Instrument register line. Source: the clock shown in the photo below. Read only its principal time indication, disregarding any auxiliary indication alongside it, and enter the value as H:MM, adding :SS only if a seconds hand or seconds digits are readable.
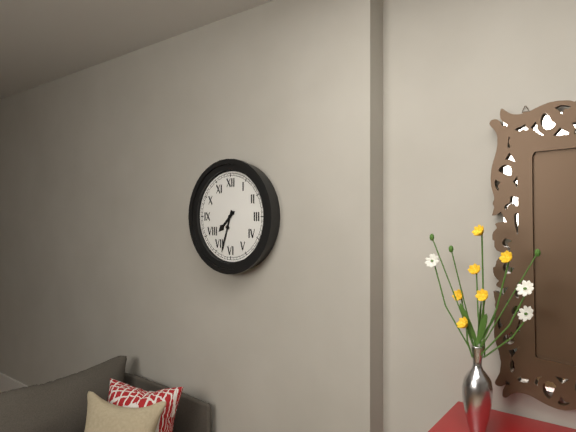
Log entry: 7:33
